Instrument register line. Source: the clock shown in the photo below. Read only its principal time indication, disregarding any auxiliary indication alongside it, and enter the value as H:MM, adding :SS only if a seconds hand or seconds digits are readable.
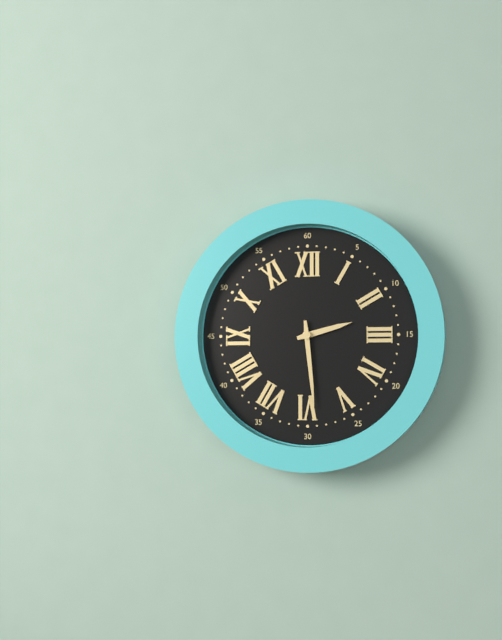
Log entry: 2:29
